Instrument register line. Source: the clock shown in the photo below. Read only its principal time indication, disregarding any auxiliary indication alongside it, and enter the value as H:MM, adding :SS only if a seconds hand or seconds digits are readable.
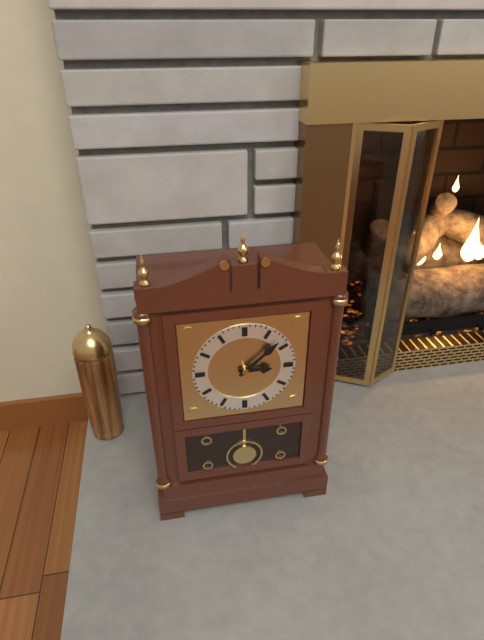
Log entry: 3:08
